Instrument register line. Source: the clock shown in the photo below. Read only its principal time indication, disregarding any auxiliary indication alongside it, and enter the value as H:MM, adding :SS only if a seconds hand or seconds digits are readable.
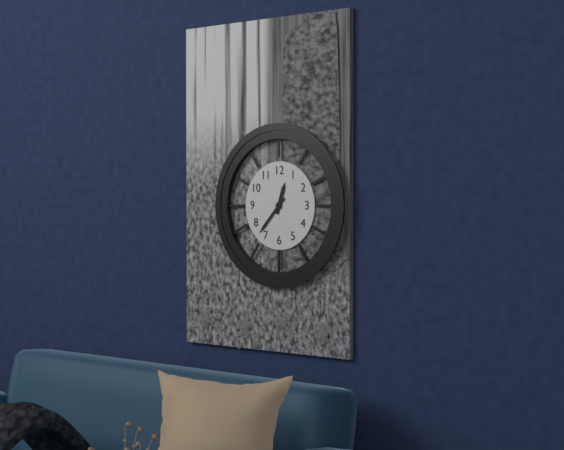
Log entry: 12:37
